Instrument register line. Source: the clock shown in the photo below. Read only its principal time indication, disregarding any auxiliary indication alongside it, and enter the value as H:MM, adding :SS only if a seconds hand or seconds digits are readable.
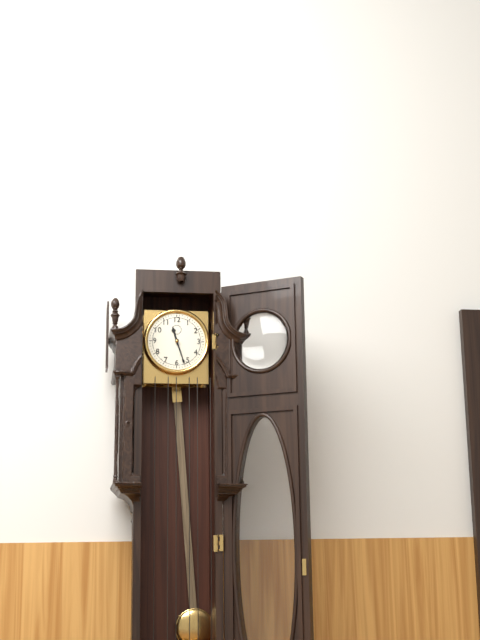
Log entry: 11:27
